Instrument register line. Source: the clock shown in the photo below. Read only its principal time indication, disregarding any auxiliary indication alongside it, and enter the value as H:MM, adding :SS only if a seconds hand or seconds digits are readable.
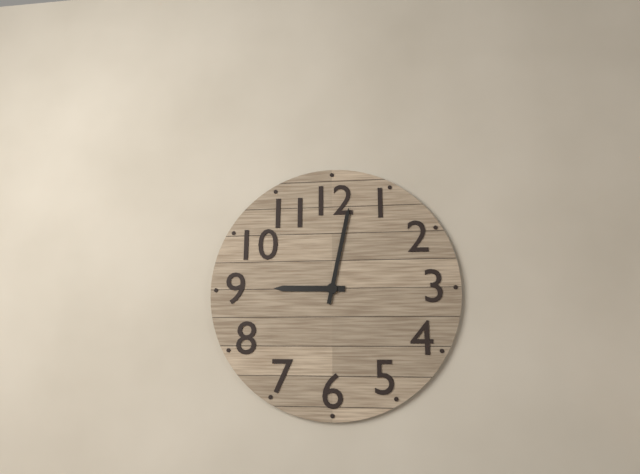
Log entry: 9:02
